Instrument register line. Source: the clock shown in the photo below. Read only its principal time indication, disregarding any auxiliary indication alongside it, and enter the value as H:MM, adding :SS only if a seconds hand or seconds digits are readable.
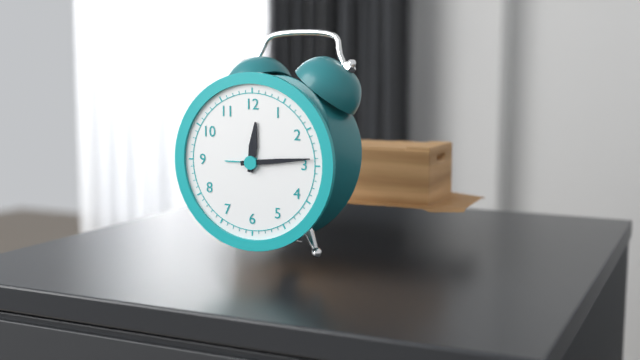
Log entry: 12:14
